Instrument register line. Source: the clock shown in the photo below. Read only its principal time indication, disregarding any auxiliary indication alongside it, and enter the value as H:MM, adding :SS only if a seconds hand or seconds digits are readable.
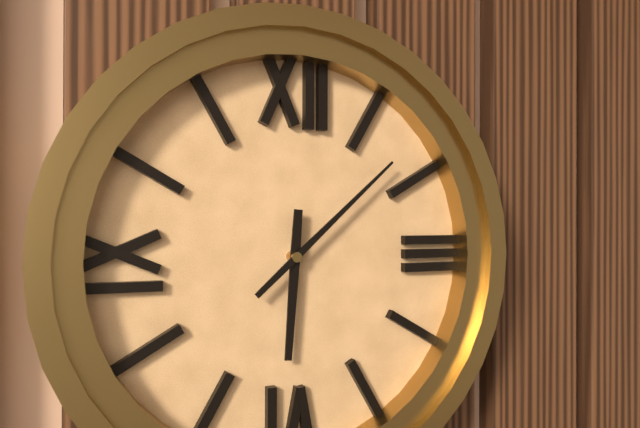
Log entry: 6:08
